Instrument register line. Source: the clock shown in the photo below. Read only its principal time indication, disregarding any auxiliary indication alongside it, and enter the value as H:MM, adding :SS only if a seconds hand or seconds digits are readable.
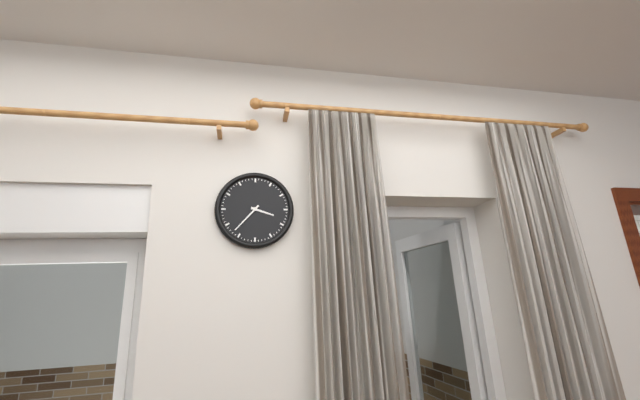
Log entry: 3:37
